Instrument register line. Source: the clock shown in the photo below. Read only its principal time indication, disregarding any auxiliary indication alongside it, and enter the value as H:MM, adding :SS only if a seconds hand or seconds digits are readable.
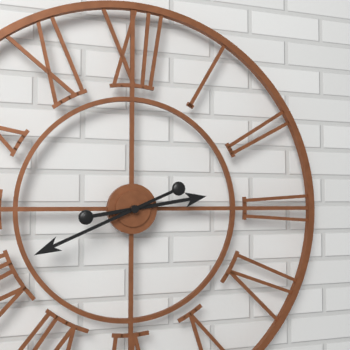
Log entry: 2:41
